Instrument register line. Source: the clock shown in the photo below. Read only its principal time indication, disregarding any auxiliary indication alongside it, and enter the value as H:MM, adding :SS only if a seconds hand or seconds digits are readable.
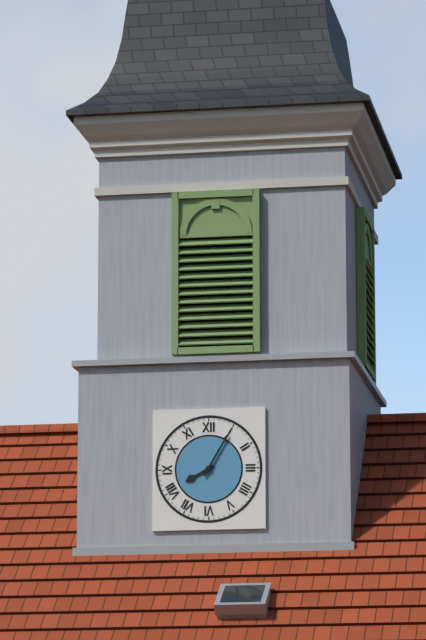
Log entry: 8:05
